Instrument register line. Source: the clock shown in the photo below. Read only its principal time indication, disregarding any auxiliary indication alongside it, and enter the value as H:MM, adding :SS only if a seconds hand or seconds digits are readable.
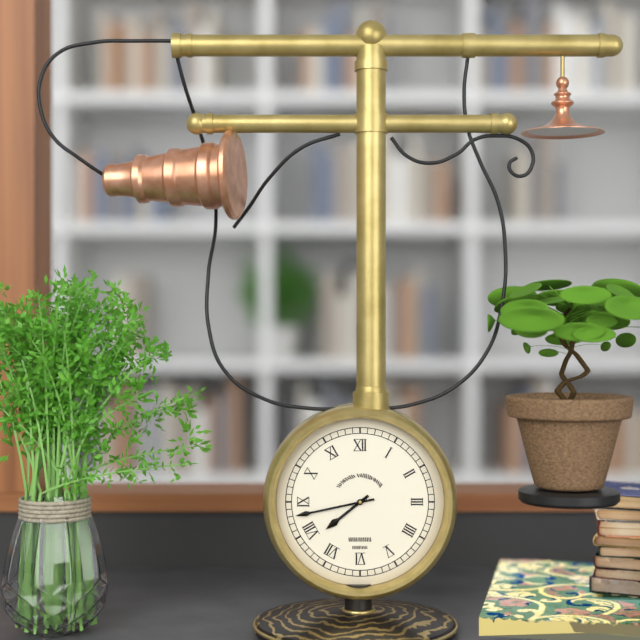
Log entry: 7:43
